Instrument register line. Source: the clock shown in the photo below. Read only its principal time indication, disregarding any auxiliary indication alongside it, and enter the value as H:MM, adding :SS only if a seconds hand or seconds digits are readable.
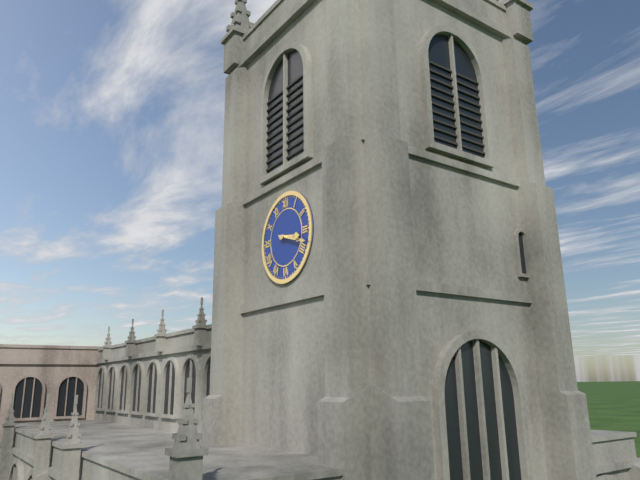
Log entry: 3:18
